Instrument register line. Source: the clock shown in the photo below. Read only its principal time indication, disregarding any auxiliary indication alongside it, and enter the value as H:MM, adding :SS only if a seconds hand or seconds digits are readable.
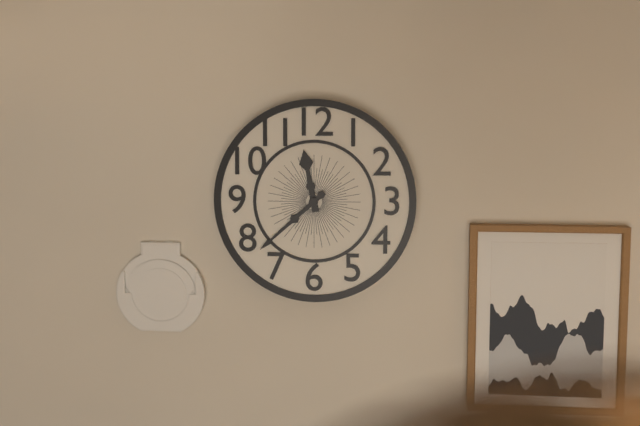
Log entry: 11:38
